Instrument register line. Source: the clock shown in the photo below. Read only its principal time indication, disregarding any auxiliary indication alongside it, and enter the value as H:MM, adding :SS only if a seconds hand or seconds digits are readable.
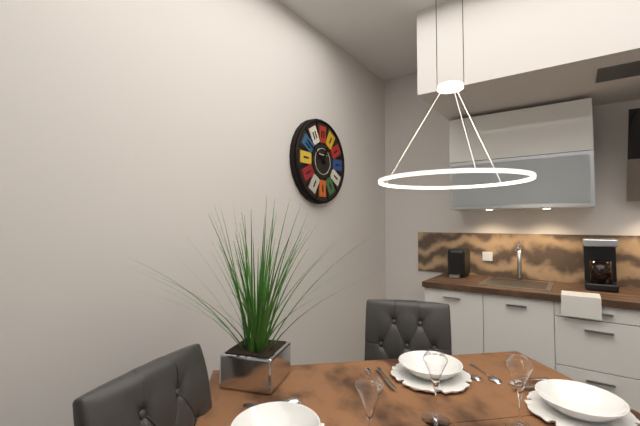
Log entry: 12:50
